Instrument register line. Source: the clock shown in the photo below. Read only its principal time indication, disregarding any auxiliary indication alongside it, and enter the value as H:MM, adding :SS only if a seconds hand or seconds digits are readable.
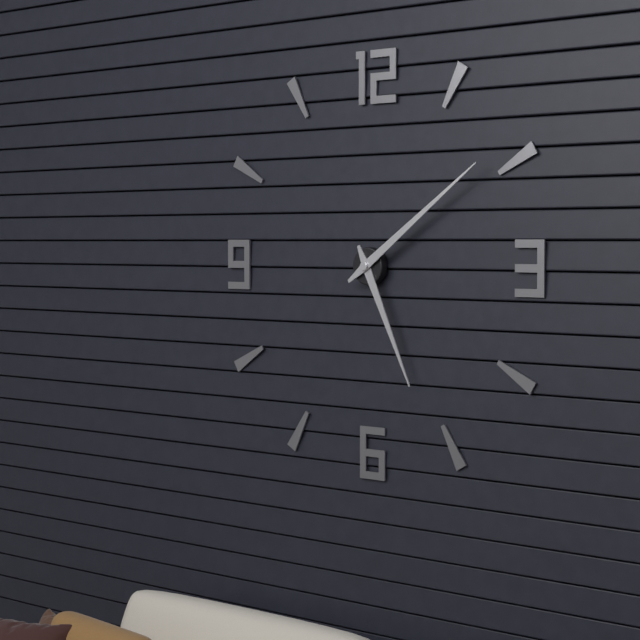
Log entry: 5:09
